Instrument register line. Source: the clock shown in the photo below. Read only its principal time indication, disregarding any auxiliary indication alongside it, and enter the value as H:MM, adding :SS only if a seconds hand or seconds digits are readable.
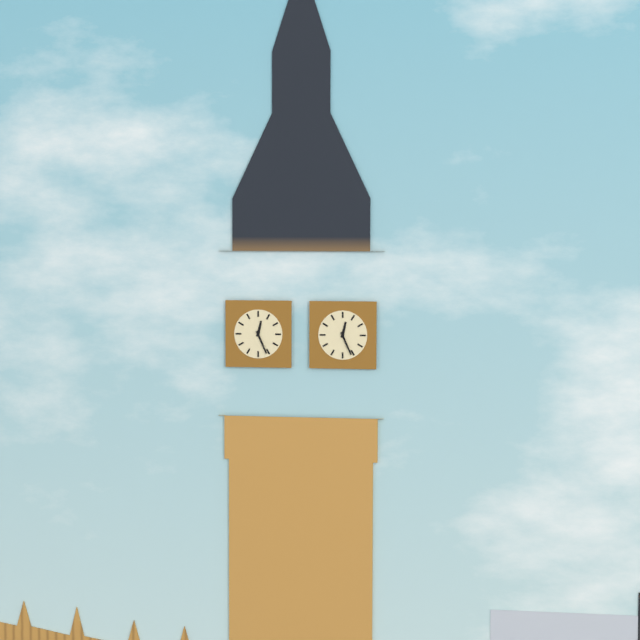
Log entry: 12:26
